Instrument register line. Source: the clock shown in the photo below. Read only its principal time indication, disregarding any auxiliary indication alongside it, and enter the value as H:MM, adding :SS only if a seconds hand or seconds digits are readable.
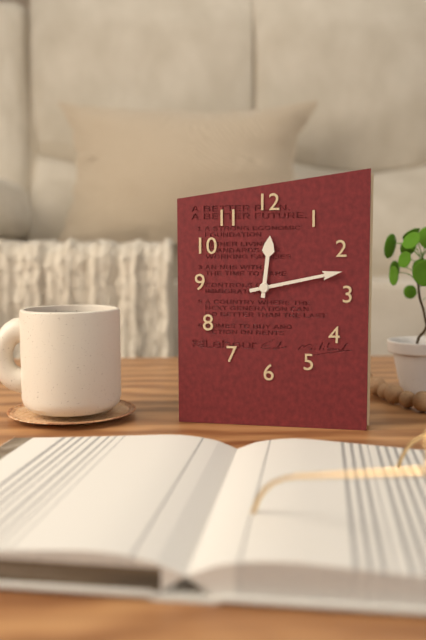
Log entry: 12:13
